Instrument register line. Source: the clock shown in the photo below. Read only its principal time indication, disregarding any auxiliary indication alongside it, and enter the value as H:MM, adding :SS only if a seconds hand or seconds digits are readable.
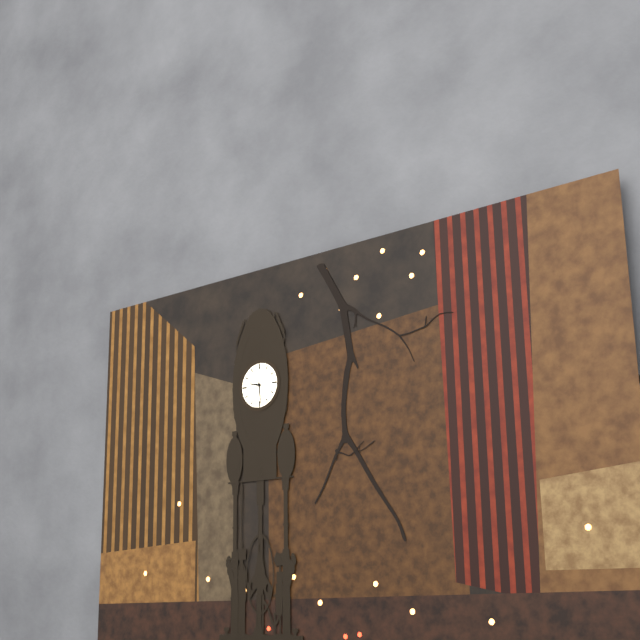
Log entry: 9:29
